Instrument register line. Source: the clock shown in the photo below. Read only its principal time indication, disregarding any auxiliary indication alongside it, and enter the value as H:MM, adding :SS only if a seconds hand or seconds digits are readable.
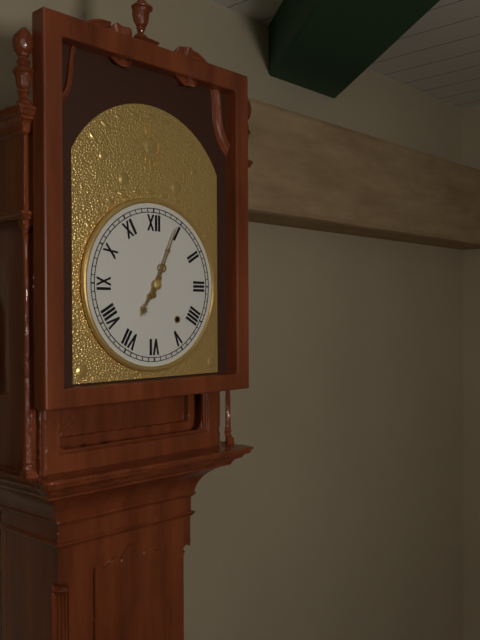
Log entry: 7:04
